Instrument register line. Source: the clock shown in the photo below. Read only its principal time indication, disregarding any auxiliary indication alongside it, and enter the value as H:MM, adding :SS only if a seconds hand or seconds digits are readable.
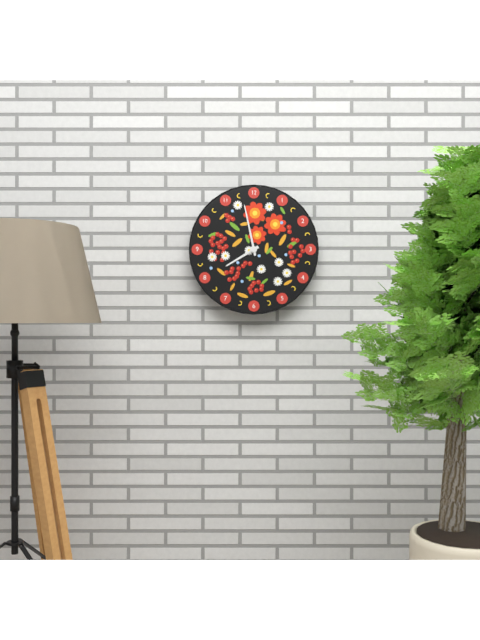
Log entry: 7:58
